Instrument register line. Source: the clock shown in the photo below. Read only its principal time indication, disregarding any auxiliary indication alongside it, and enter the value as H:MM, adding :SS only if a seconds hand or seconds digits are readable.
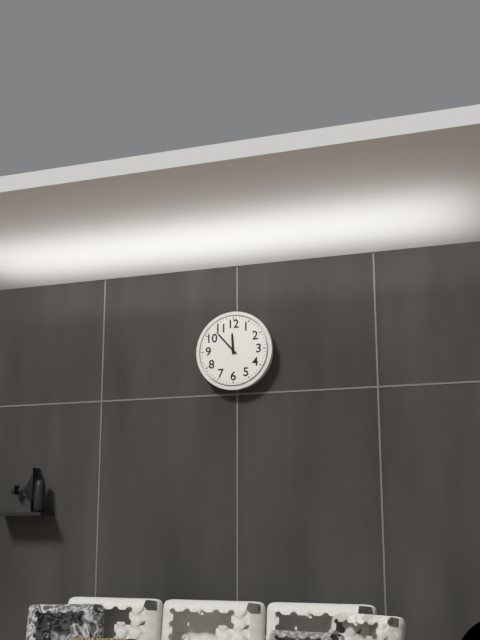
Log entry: 11:53
